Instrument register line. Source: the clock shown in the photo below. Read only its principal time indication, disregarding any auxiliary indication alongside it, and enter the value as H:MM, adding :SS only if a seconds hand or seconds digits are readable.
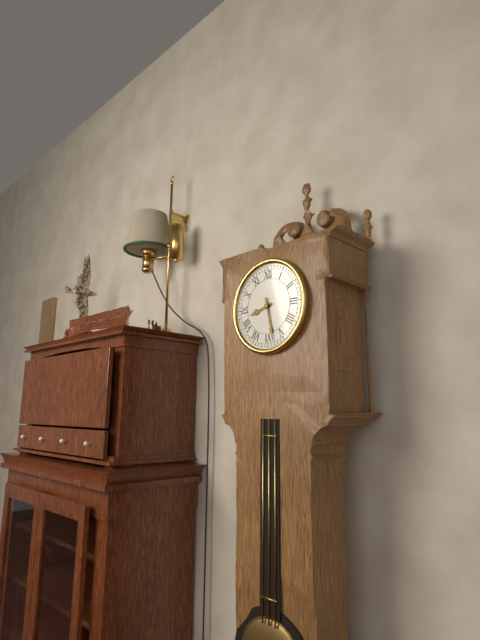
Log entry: 8:28
